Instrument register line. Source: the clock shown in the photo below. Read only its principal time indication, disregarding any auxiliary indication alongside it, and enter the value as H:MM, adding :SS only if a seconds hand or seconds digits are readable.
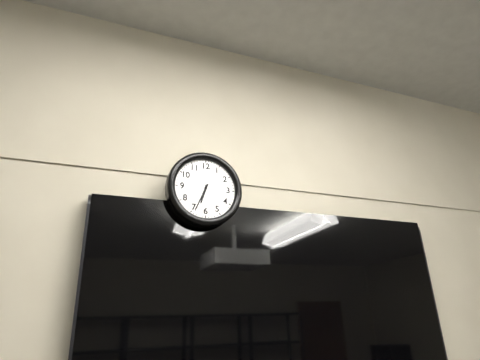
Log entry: 6:34
